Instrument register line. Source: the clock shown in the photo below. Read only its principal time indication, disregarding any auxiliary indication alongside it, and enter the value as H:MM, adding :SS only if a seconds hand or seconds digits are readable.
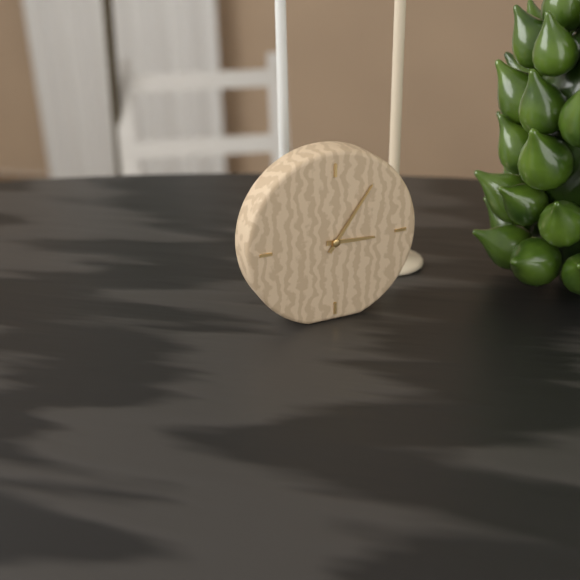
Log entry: 3:06
